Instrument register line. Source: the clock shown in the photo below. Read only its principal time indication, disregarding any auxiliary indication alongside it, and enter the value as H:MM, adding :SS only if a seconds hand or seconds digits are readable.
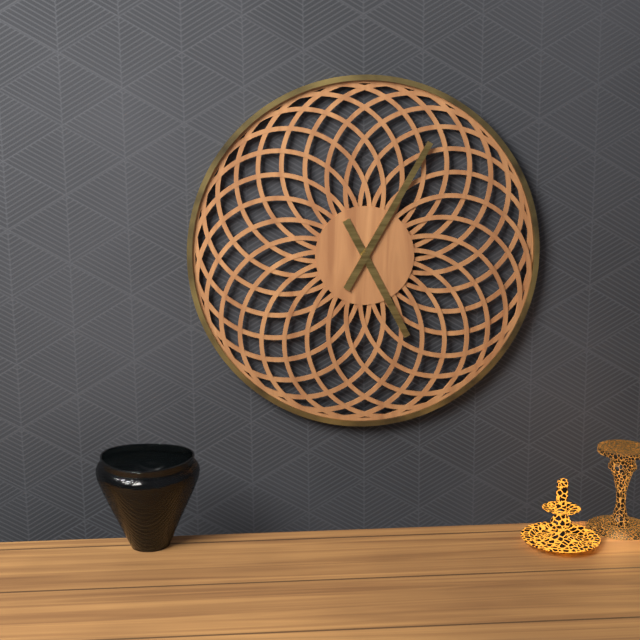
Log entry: 5:05
